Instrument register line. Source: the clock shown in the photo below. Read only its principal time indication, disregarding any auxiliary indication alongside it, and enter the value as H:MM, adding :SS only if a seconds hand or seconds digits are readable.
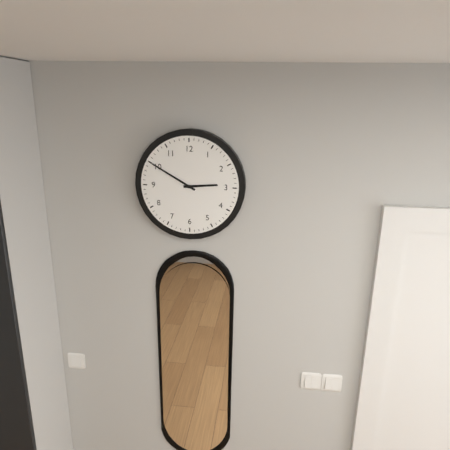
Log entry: 2:50
